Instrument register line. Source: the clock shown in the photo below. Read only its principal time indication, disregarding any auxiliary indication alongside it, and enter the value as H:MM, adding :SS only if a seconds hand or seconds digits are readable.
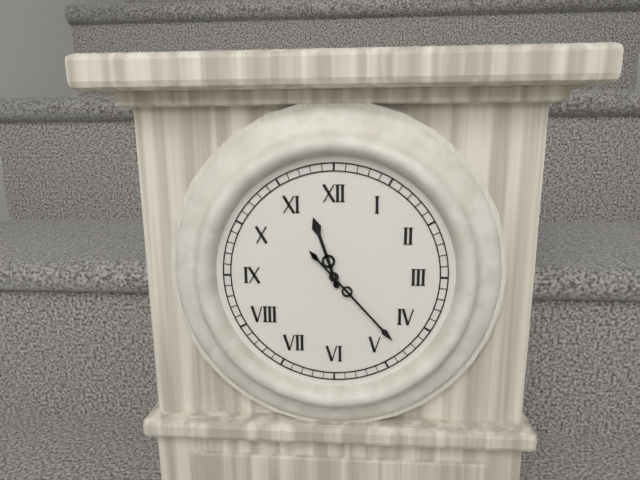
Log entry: 11:23
